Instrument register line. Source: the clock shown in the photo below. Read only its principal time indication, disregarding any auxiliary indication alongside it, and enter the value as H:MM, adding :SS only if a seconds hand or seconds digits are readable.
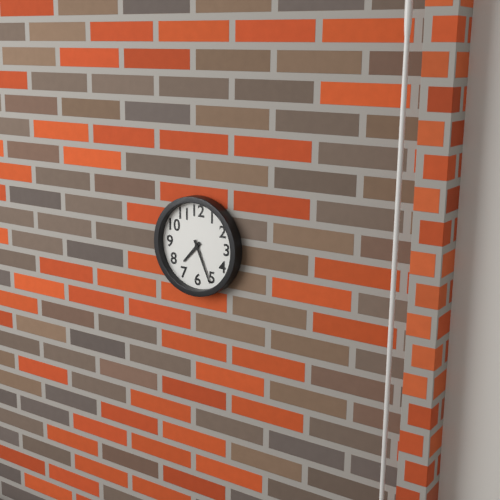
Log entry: 7:26
